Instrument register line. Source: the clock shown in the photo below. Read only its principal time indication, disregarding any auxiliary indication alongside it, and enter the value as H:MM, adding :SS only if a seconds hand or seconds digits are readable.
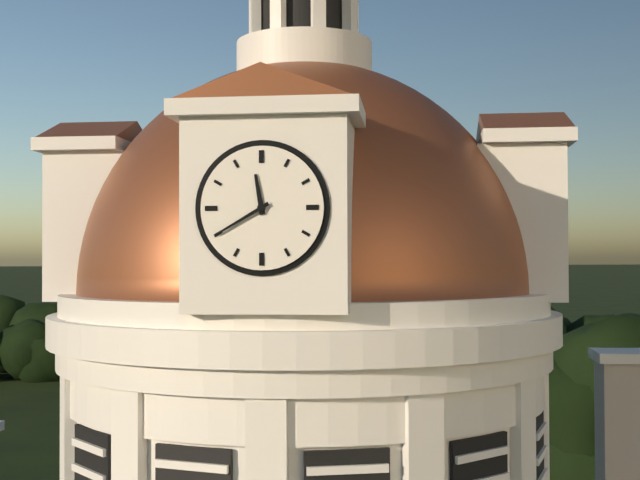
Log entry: 11:40
